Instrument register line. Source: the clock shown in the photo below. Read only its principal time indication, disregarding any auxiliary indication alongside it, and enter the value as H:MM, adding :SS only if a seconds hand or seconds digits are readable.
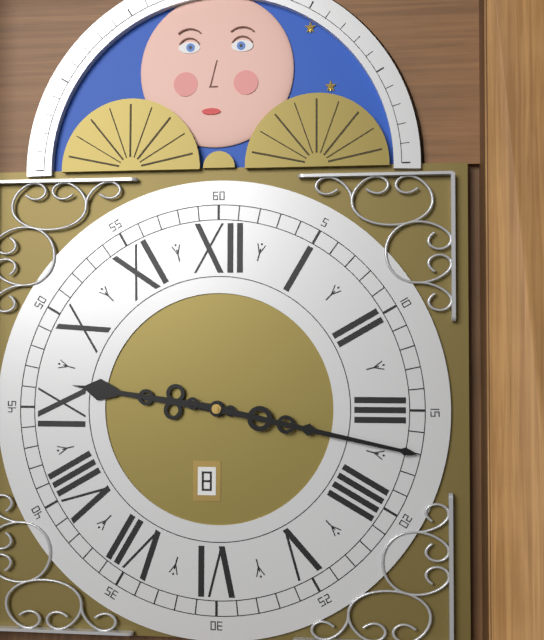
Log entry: 9:17
